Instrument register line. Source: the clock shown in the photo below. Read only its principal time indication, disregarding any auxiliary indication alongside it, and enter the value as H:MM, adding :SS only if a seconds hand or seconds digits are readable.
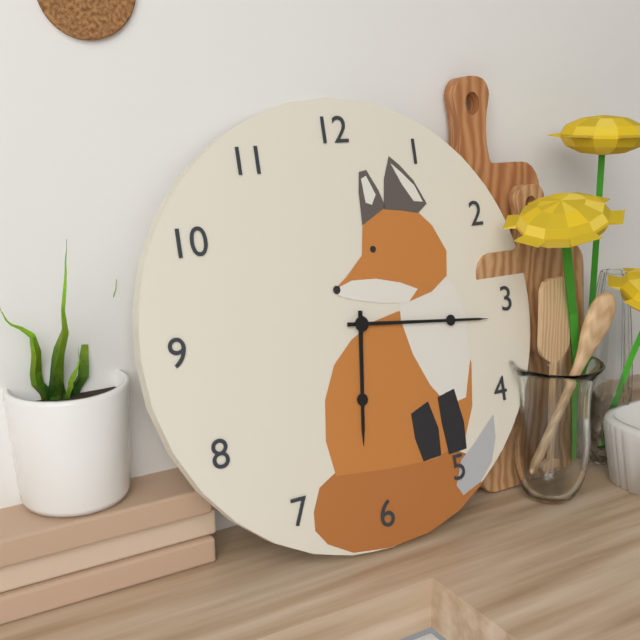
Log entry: 6:16
